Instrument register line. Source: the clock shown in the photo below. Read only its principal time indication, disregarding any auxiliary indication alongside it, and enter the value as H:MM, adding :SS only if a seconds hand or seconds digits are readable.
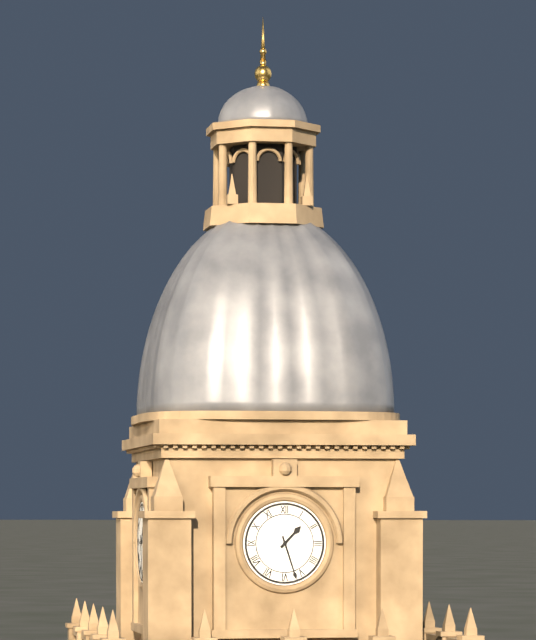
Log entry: 1:27
